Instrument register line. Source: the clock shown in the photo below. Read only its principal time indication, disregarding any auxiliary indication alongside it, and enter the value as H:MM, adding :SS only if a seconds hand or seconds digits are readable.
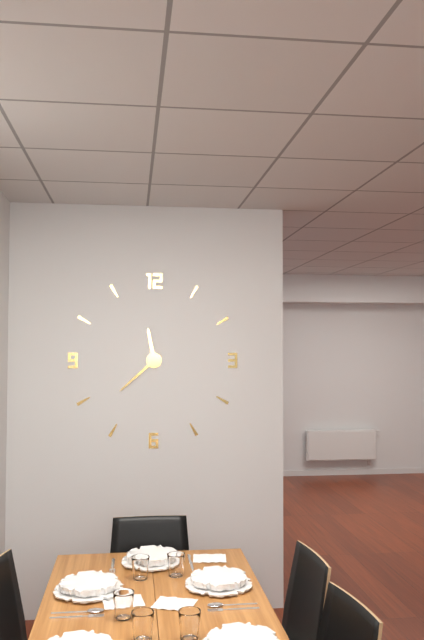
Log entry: 11:38
